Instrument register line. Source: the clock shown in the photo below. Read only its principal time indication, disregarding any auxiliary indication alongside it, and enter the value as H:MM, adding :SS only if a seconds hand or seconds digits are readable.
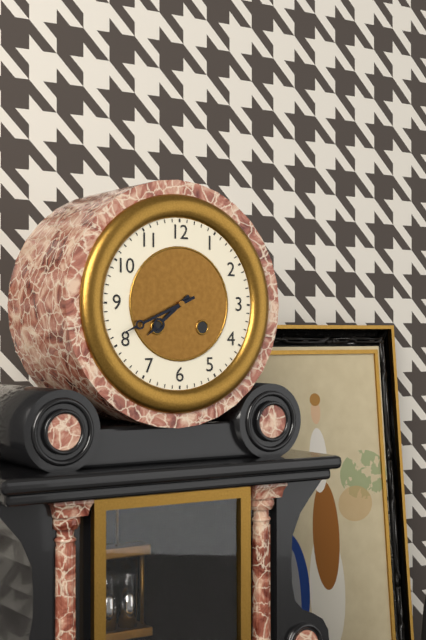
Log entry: 7:41
